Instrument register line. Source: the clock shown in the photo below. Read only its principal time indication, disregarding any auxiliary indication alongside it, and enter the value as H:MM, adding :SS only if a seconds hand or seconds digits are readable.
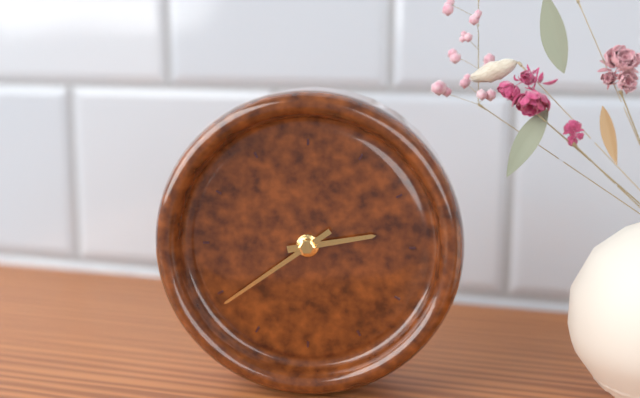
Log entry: 2:39
